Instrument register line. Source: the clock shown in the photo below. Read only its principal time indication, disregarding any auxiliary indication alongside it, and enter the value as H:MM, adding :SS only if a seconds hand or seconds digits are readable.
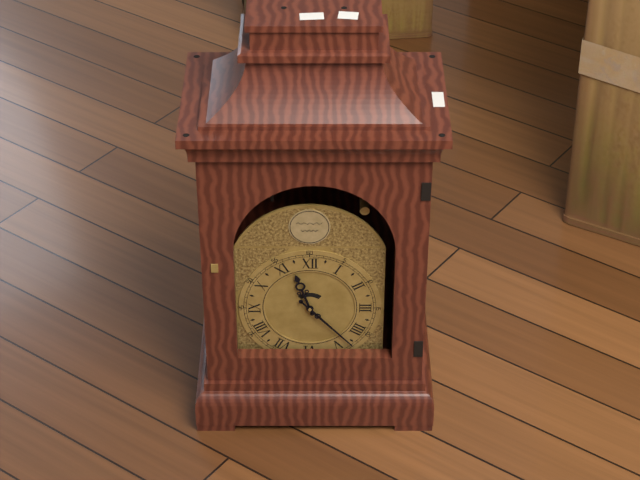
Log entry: 11:23
